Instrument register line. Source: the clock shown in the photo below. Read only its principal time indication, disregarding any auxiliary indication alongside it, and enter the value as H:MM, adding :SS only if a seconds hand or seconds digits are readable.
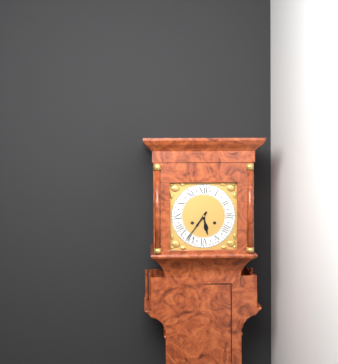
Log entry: 5:36
